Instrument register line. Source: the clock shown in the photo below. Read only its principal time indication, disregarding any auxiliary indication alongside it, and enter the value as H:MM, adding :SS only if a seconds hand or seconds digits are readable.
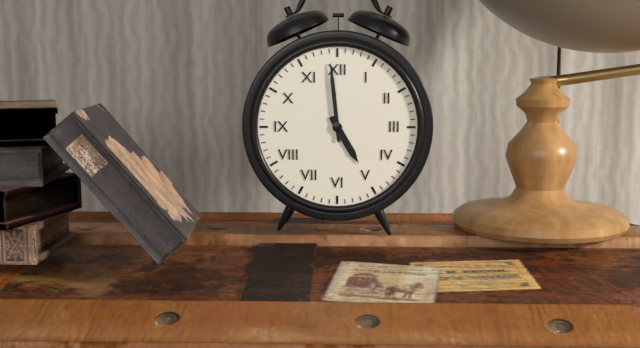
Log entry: 4:59
